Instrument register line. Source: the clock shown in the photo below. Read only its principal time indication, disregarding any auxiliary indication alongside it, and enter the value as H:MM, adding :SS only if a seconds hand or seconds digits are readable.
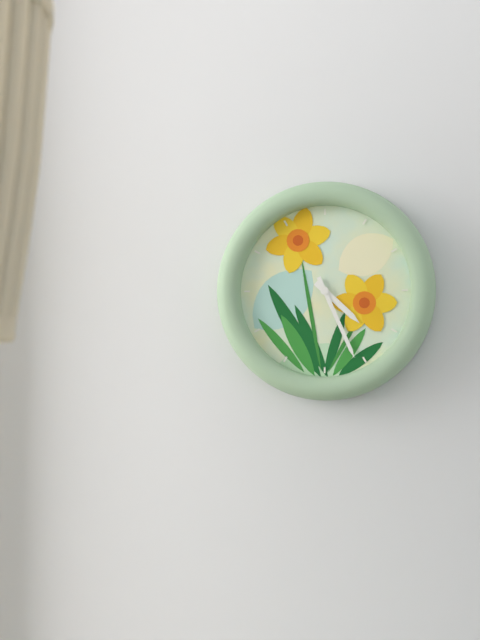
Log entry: 4:26
